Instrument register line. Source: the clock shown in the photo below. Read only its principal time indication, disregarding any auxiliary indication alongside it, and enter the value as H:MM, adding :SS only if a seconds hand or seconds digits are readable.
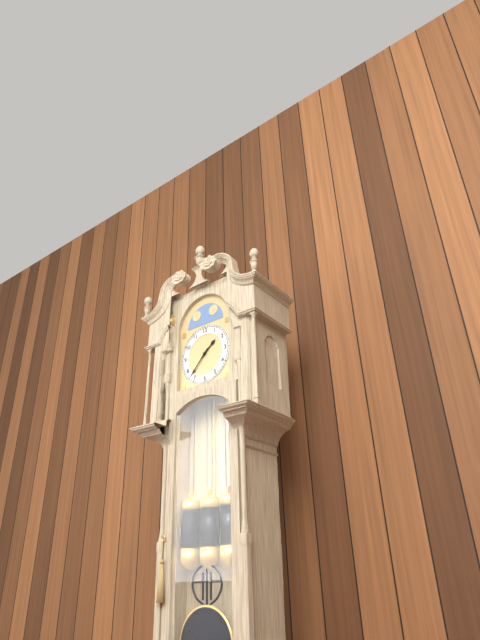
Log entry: 1:37
